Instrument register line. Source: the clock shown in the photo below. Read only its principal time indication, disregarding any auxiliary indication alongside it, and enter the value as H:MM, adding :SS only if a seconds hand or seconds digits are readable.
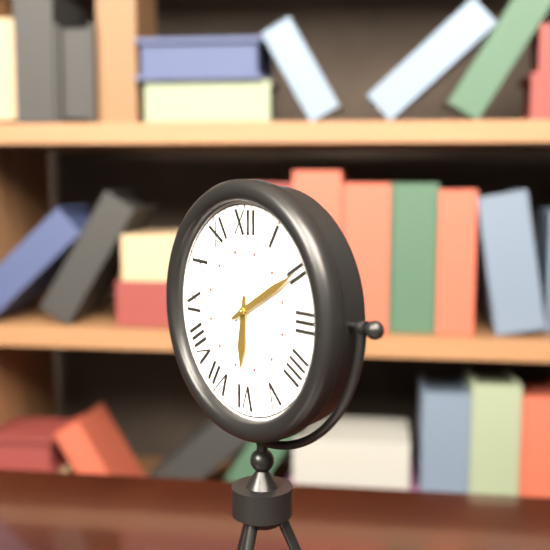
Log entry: 6:10
